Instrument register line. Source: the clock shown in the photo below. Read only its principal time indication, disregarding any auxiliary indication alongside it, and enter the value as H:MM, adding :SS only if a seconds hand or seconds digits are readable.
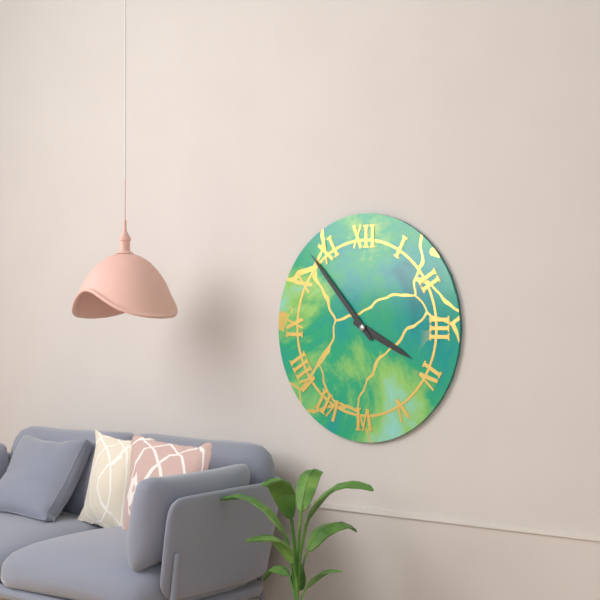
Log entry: 3:53
